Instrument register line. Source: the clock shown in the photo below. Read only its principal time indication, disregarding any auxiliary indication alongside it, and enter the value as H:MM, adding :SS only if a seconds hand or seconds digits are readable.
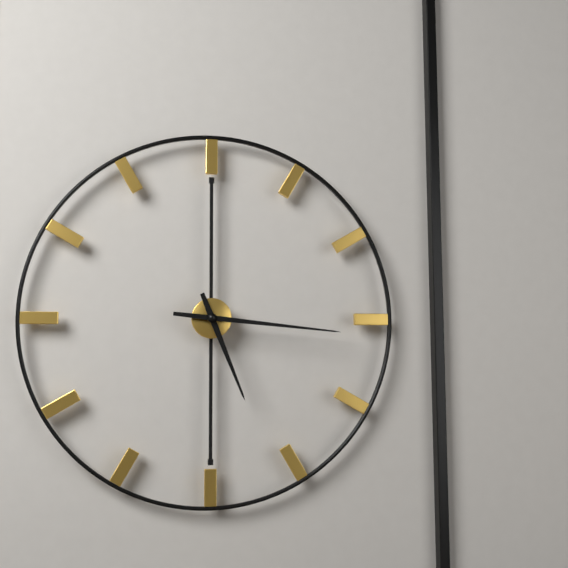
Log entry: 5:16
